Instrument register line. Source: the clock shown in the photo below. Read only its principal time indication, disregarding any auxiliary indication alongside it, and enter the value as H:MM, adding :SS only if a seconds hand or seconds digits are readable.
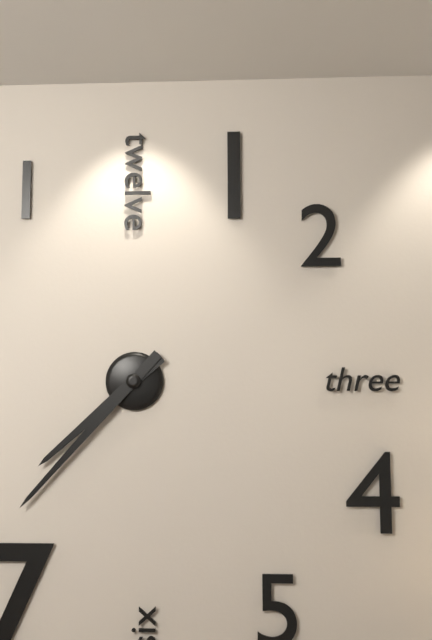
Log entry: 7:37
